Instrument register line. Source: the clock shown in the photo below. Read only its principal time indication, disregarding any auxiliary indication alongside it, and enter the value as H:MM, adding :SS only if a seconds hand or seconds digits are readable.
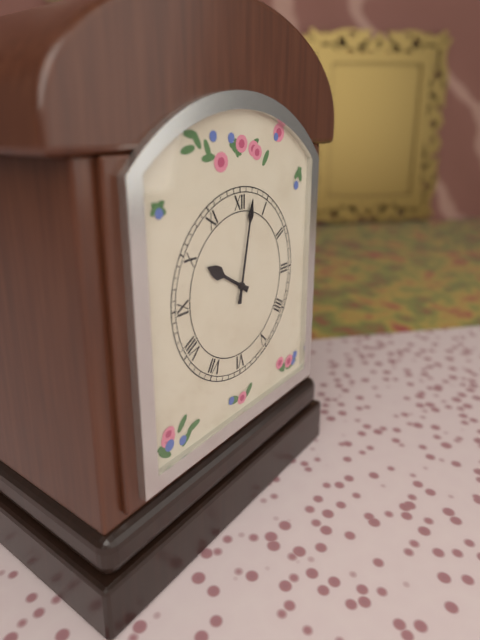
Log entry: 10:02
